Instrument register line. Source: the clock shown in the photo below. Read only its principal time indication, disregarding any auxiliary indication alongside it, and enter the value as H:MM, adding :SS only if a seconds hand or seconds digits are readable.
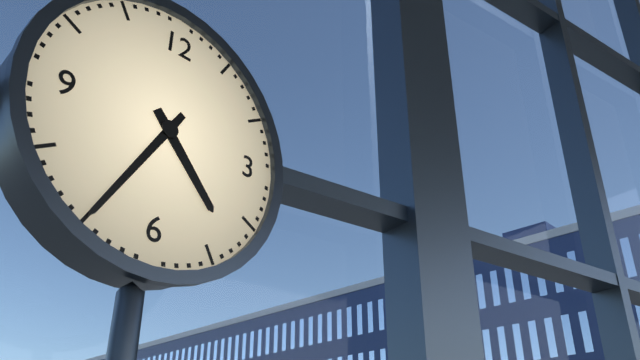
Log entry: 4:35
